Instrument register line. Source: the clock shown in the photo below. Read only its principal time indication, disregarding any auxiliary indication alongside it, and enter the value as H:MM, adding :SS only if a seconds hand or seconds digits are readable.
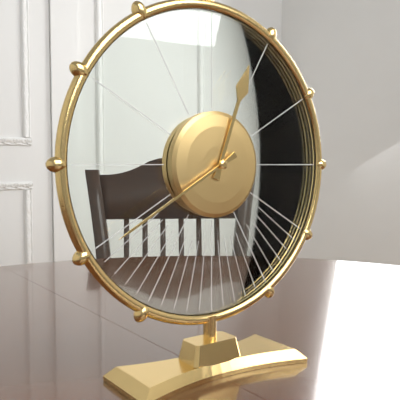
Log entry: 12:40
